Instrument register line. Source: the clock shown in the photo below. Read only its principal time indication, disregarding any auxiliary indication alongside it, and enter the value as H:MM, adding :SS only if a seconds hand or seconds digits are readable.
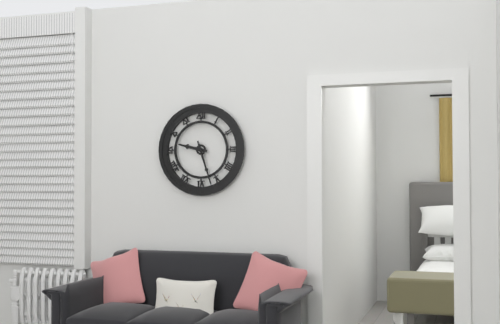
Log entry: 9:27
